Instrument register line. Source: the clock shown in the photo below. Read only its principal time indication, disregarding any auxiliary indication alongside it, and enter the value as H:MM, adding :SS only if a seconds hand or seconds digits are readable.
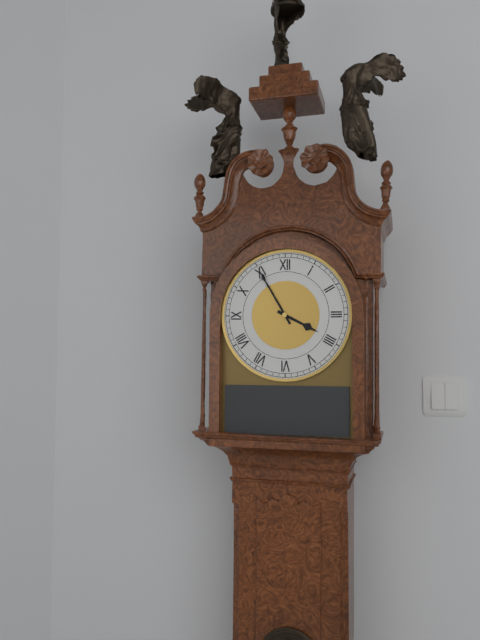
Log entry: 3:55
